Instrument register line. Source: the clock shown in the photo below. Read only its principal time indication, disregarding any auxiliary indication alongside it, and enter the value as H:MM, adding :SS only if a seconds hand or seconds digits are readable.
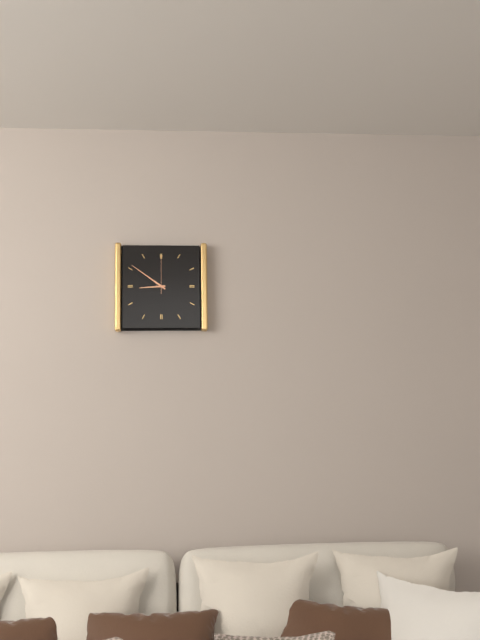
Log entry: 8:51
